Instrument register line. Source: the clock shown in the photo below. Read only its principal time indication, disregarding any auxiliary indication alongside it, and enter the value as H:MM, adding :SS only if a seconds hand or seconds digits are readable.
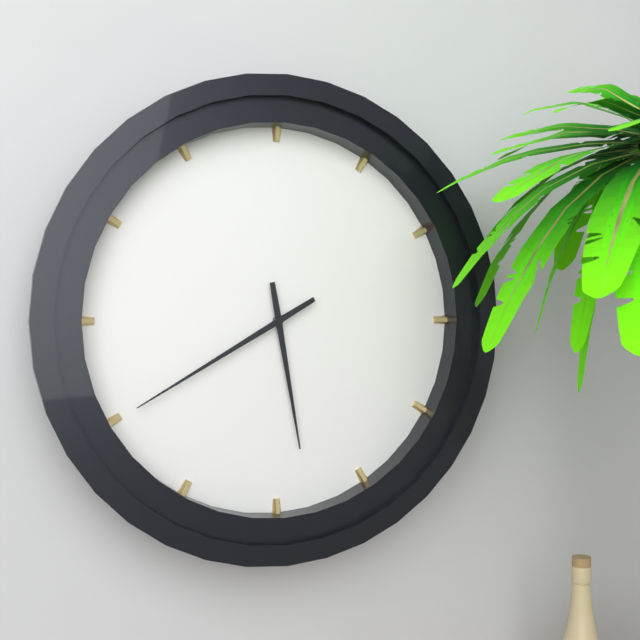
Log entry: 5:40
